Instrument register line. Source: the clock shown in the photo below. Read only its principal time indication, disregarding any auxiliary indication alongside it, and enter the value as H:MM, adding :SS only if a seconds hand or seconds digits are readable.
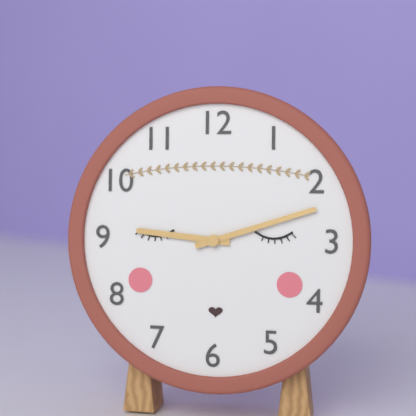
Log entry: 9:12
